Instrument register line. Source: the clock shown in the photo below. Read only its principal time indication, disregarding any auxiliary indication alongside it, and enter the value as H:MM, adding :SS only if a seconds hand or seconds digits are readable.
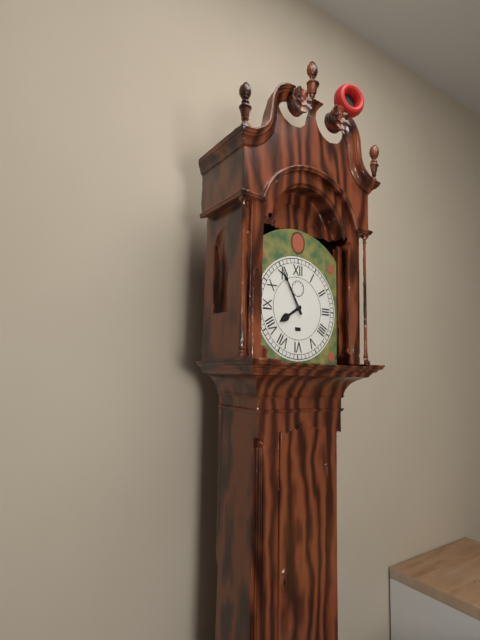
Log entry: 7:55
